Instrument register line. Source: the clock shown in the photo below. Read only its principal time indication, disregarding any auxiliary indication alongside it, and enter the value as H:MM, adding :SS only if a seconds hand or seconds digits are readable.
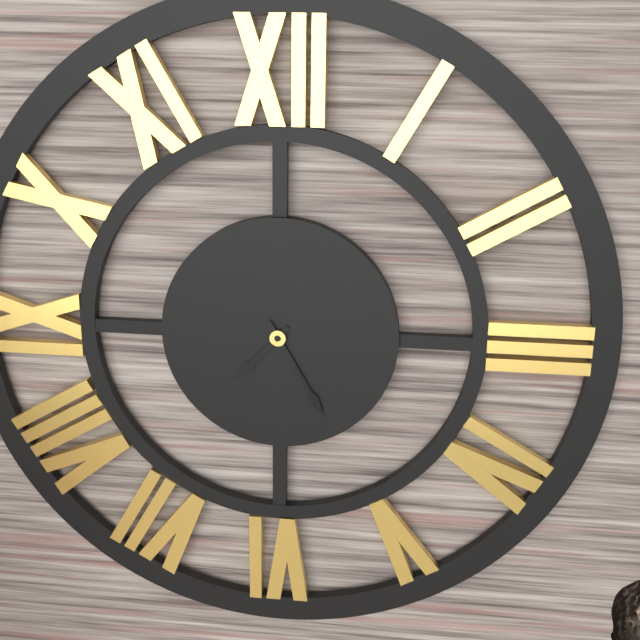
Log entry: 7:25
